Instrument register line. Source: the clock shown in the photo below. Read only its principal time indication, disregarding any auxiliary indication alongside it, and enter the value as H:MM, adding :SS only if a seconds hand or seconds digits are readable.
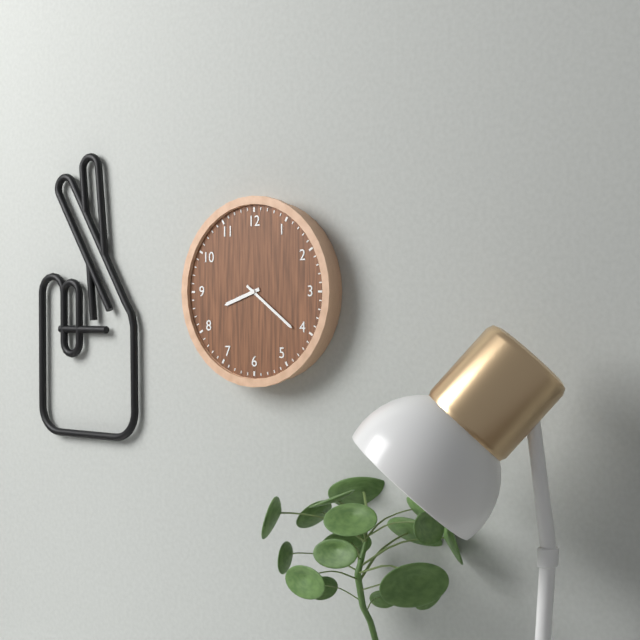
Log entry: 8:21
